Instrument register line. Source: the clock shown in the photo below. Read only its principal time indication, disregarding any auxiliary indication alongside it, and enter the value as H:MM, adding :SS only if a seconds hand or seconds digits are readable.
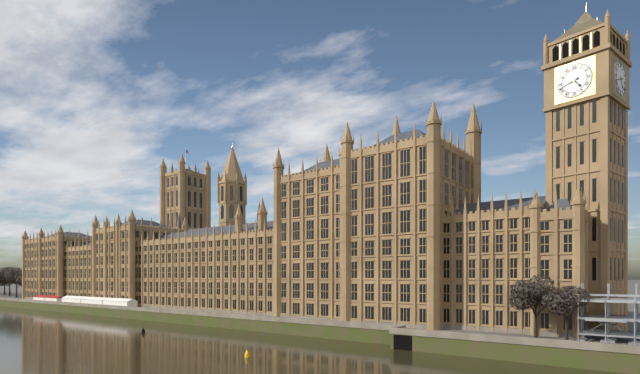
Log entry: 4:42
